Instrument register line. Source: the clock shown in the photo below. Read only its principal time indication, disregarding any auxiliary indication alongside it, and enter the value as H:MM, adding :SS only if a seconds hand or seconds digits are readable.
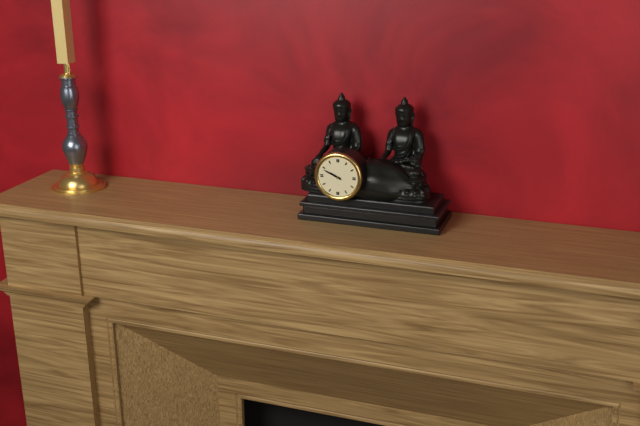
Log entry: 9:49
